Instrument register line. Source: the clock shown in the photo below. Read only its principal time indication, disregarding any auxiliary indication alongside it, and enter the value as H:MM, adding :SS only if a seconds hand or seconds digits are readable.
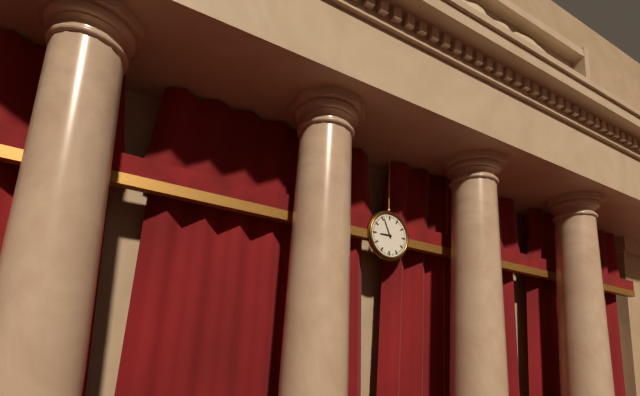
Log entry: 8:56
